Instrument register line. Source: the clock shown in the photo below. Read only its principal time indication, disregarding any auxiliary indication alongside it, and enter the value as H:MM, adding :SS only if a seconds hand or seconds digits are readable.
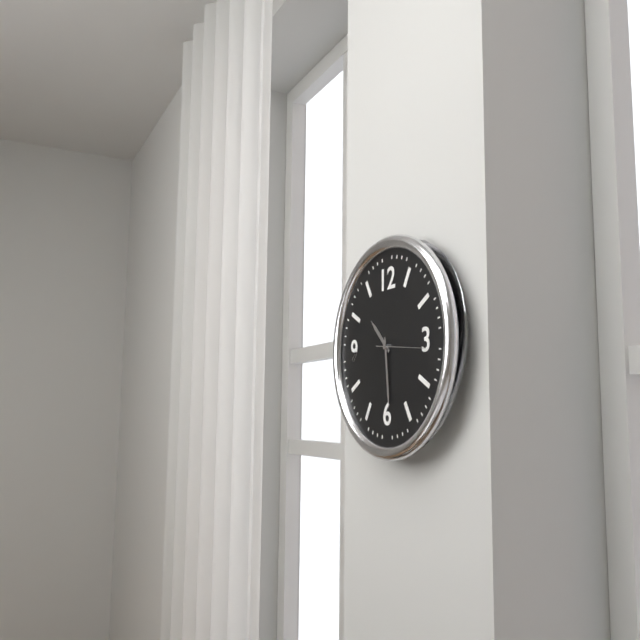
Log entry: 10:29
